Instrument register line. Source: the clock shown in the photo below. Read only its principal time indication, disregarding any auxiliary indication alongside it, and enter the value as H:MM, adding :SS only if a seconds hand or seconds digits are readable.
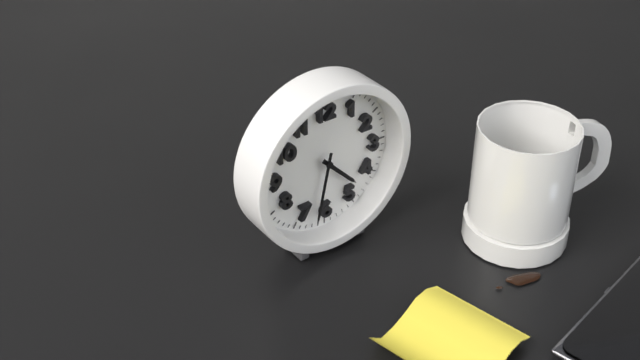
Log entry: 4:32
